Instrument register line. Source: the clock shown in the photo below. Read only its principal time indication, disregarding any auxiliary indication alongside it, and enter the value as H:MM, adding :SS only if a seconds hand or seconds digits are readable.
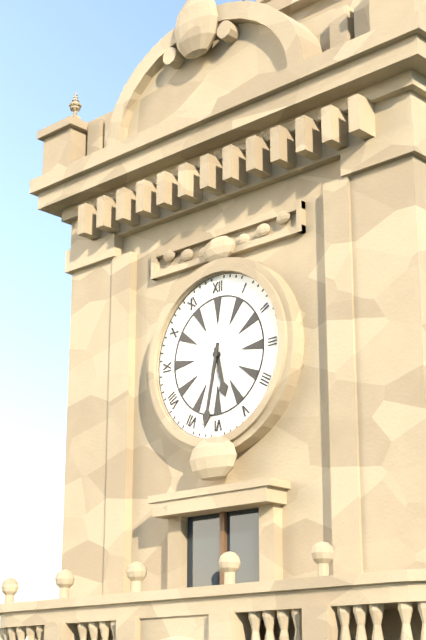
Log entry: 5:32
